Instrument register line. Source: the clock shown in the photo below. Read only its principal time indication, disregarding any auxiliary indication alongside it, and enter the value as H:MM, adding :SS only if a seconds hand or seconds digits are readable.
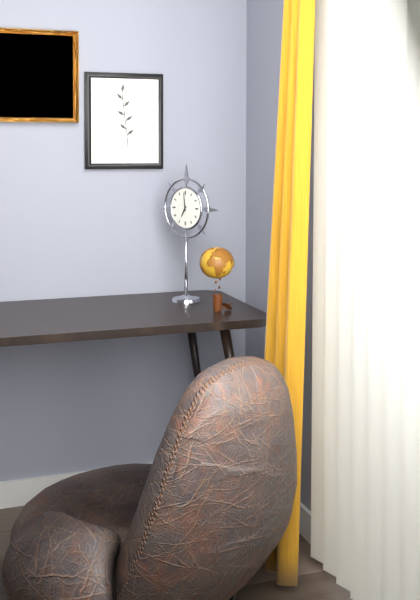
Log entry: 6:59
